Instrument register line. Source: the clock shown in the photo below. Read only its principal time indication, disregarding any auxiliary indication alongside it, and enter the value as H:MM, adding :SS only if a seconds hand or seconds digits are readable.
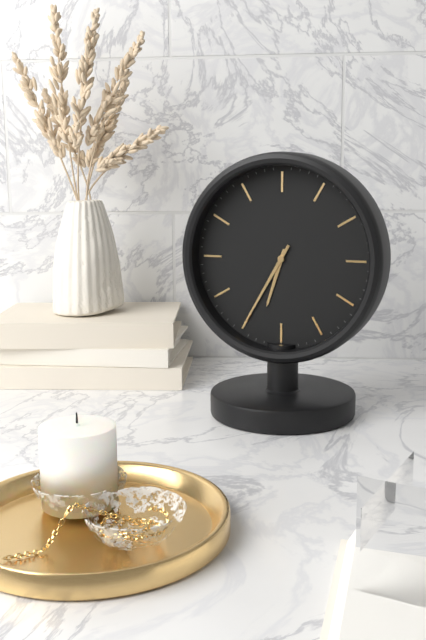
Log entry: 6:35
